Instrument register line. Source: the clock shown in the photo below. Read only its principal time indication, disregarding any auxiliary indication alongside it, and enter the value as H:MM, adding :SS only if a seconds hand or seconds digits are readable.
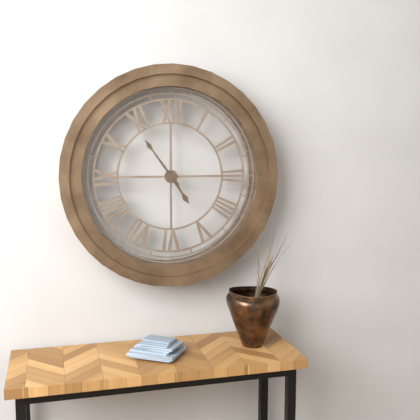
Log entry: 4:54
